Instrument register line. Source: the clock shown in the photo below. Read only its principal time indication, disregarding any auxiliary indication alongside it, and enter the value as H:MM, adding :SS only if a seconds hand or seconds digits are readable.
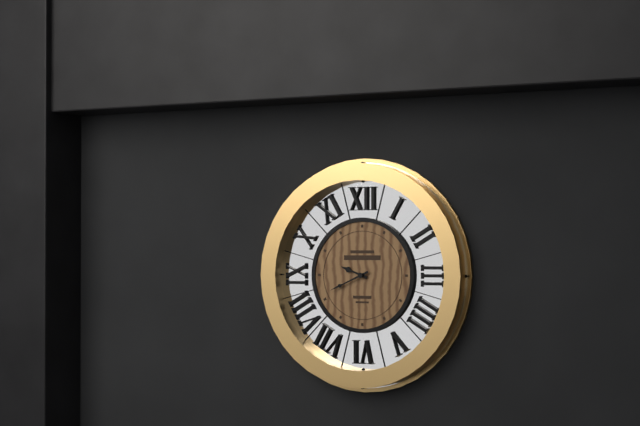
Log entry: 9:41
